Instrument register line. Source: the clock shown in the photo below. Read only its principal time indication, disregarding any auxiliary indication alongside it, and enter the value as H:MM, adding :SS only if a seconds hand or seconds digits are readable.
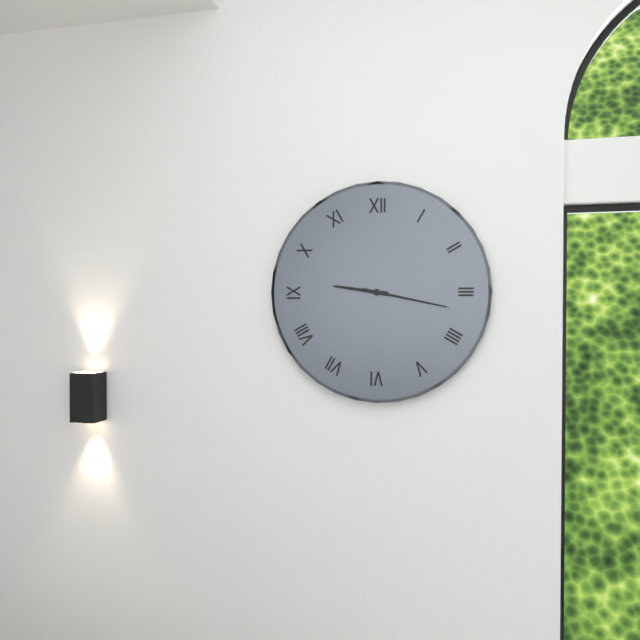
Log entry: 9:17
